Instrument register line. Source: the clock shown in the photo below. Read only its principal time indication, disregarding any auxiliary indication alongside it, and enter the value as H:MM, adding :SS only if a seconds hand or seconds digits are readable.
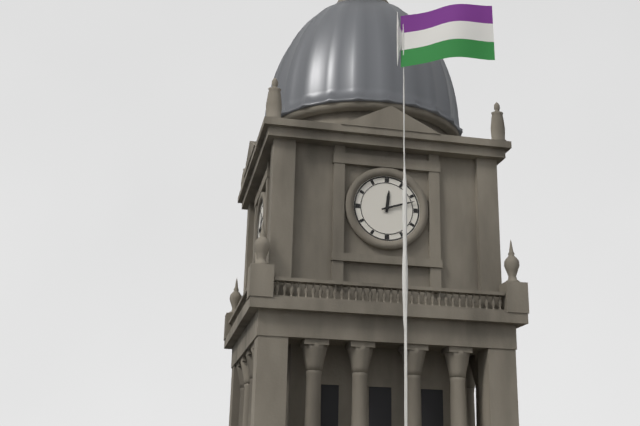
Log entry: 12:12
